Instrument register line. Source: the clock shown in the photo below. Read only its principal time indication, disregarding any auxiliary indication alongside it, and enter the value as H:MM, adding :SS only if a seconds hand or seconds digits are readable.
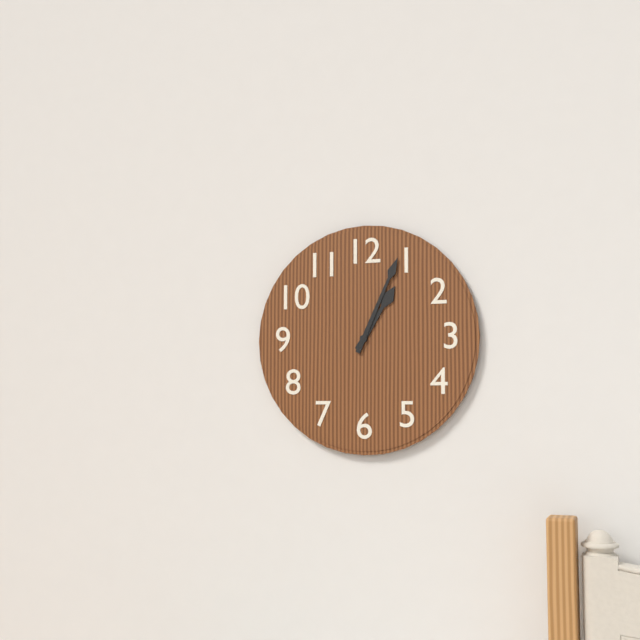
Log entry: 1:04
